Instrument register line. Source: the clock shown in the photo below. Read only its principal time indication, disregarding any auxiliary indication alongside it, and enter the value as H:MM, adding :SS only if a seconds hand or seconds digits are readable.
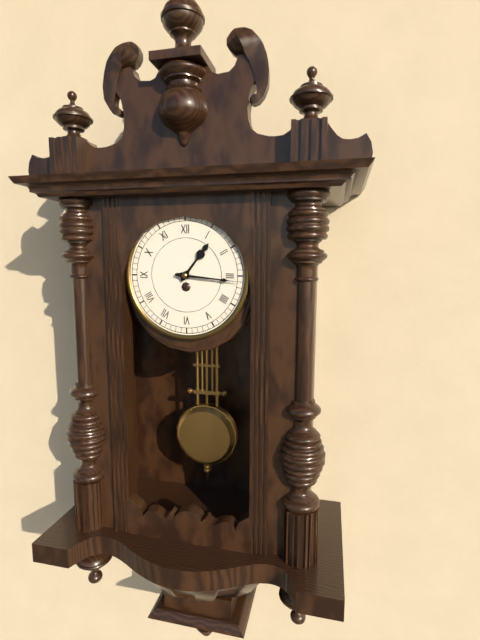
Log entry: 1:16
